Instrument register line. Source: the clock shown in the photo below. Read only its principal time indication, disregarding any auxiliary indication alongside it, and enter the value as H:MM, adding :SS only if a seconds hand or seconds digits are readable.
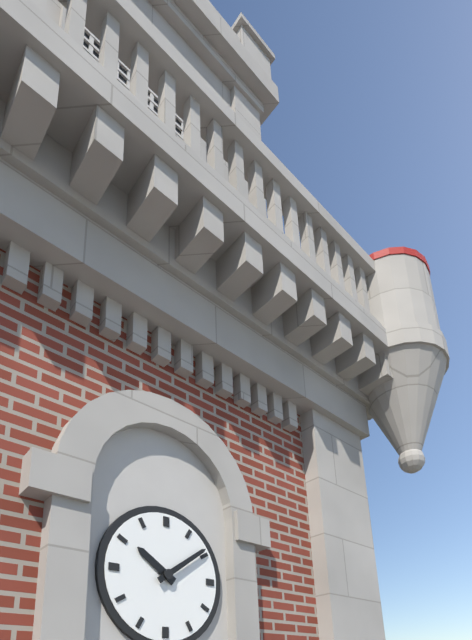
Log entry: 10:09
